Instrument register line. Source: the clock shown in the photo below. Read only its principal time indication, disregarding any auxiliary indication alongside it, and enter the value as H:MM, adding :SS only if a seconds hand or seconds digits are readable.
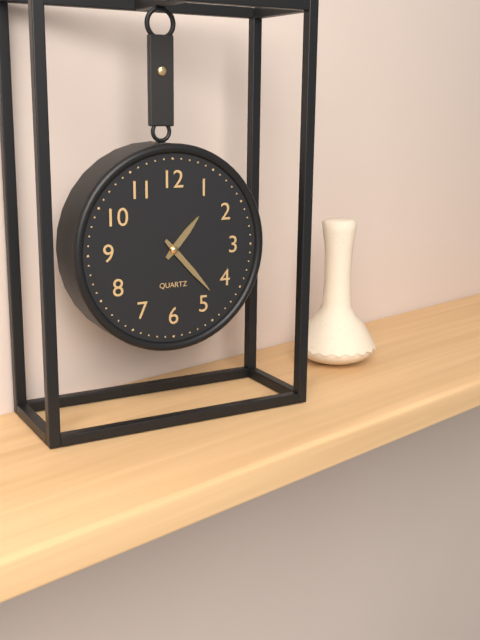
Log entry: 1:23
